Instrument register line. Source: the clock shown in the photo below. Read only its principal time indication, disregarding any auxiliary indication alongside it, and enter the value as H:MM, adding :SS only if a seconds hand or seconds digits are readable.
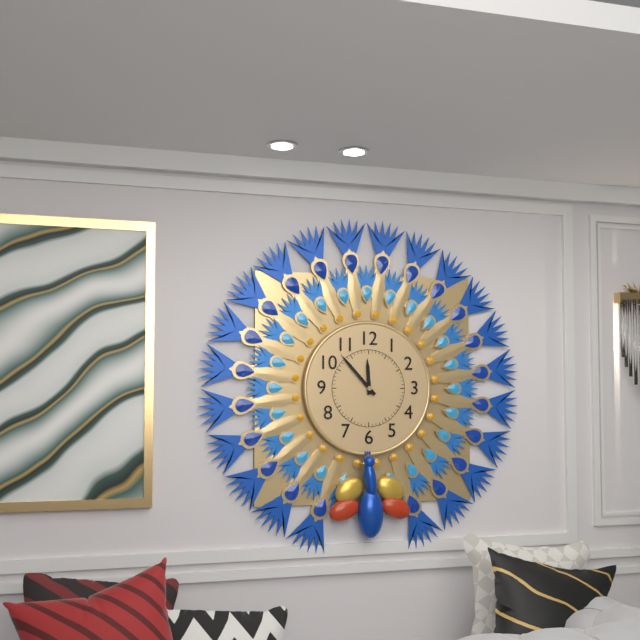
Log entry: 11:53
